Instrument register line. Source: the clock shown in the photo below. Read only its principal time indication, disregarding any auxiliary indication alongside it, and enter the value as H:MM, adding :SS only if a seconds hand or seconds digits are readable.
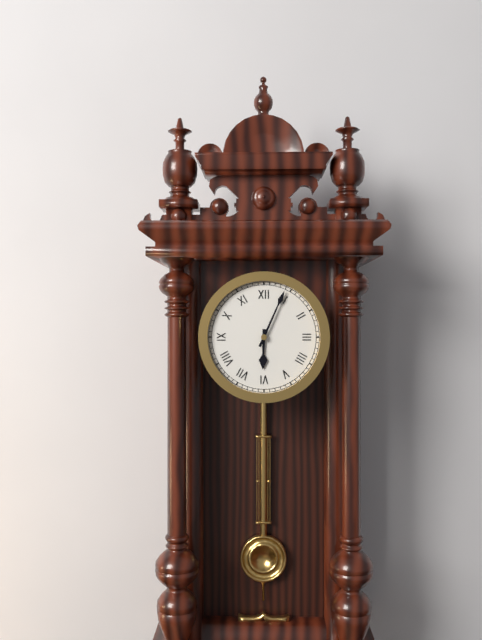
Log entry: 6:04
